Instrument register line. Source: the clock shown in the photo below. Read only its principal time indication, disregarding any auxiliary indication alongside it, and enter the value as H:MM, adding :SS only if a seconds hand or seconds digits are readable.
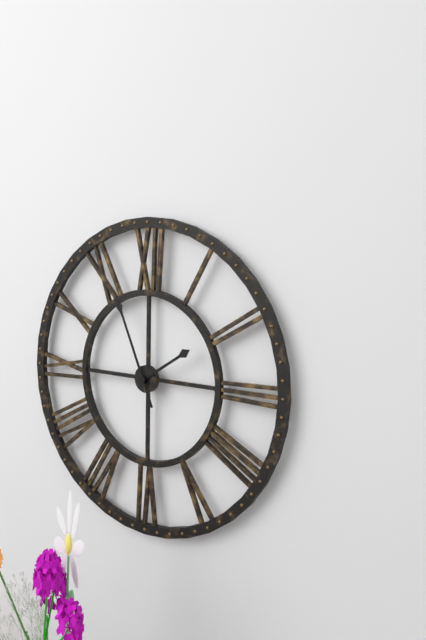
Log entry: 1:56
